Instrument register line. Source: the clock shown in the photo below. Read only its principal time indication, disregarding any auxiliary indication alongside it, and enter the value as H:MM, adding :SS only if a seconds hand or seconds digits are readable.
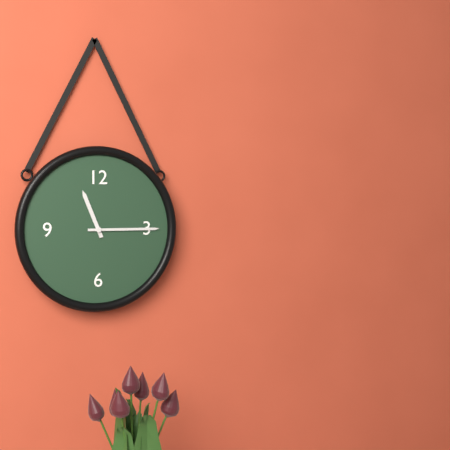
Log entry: 11:15
